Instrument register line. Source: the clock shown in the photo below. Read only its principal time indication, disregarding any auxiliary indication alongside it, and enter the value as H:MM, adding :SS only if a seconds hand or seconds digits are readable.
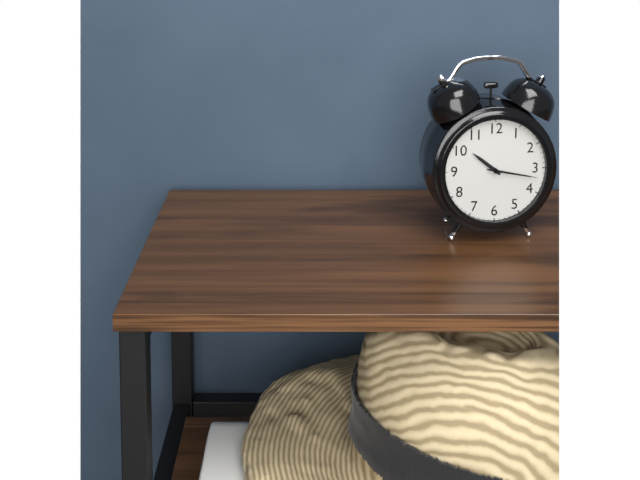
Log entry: 10:17
